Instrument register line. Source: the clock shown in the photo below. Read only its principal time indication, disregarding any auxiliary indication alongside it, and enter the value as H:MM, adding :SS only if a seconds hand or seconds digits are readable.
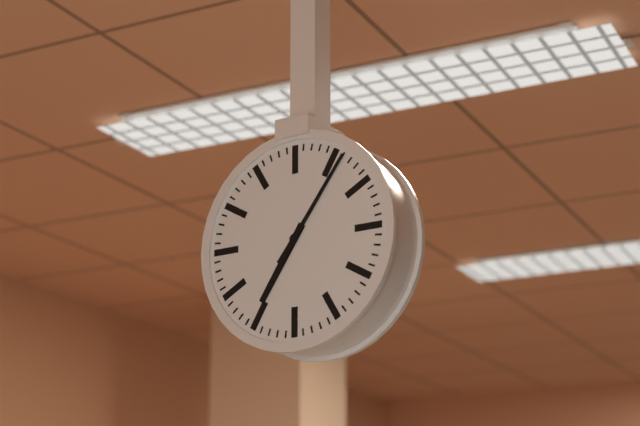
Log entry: 7:06
